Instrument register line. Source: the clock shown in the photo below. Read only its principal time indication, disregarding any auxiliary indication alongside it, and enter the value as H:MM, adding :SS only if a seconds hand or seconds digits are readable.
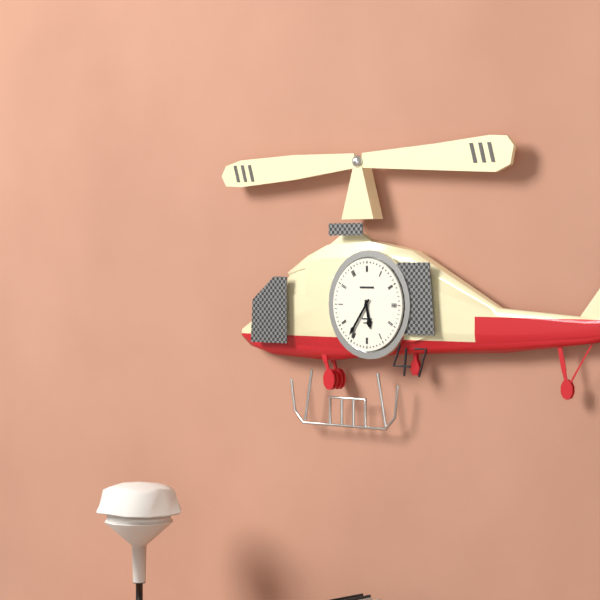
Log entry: 5:36
